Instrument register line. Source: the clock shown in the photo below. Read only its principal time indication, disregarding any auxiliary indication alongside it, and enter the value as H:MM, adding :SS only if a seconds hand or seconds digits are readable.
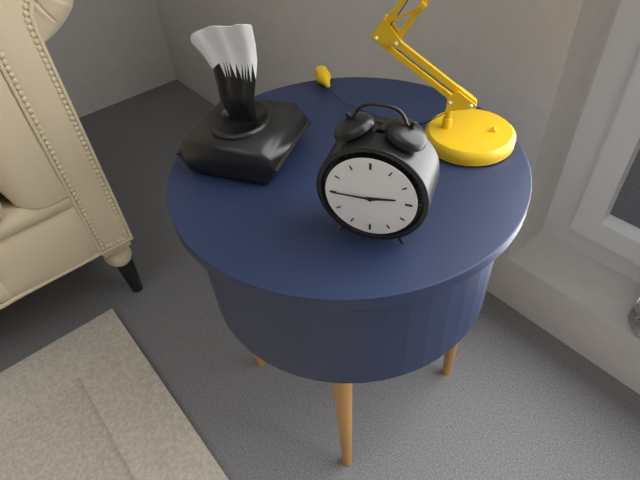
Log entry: 2:45
